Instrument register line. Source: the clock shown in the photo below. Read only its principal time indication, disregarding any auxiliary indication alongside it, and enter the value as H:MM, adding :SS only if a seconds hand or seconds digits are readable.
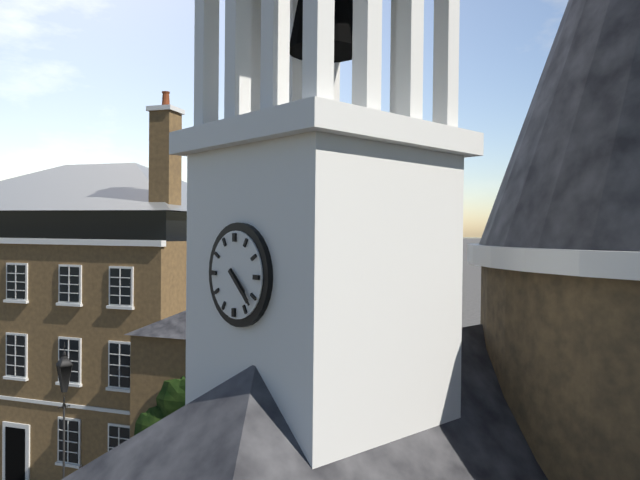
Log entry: 4:22
